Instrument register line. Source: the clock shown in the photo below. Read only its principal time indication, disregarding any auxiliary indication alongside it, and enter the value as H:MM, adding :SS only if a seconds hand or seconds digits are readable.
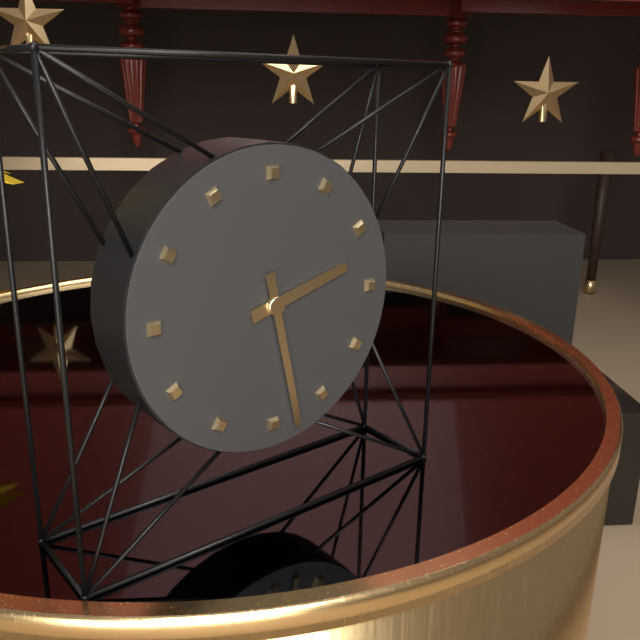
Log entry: 2:28
